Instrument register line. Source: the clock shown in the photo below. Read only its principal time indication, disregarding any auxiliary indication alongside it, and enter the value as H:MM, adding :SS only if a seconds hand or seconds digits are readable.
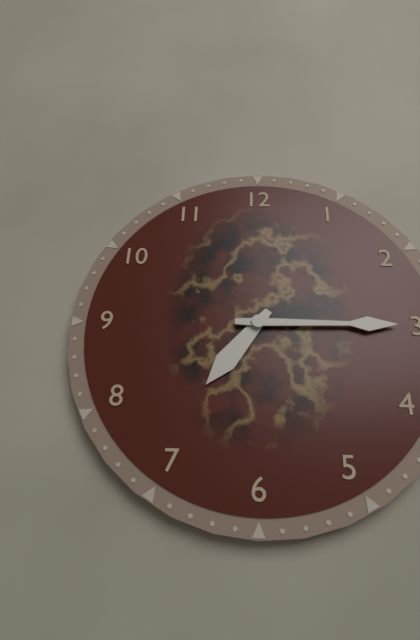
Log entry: 7:15
